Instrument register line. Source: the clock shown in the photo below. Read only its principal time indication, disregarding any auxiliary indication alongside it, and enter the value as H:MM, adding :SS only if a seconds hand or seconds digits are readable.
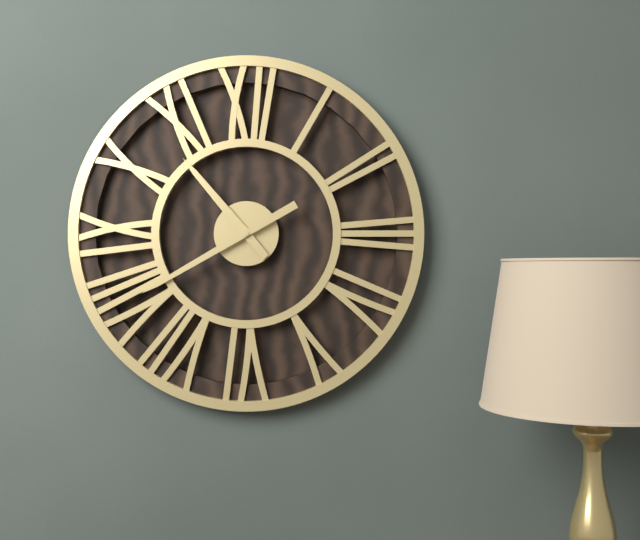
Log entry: 10:40
